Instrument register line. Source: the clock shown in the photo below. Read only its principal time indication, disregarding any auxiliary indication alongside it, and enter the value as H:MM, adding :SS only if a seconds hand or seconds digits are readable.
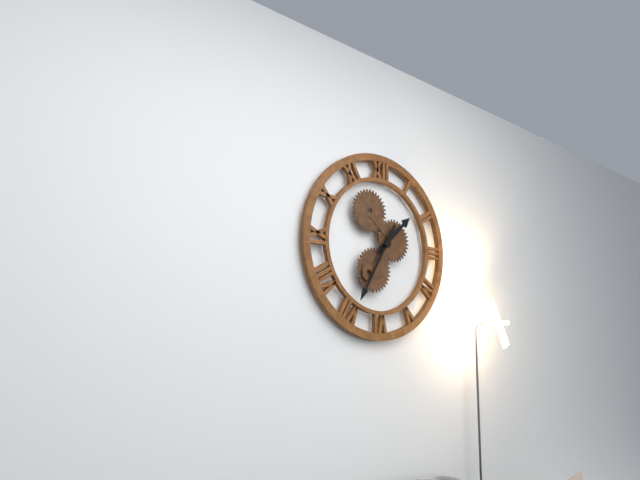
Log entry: 1:35
